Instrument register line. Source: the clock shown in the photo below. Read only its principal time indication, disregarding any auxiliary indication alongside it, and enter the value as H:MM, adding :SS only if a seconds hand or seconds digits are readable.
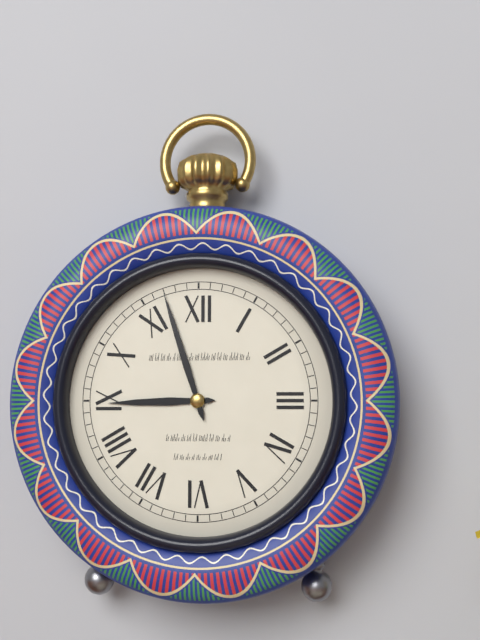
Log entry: 8:57
